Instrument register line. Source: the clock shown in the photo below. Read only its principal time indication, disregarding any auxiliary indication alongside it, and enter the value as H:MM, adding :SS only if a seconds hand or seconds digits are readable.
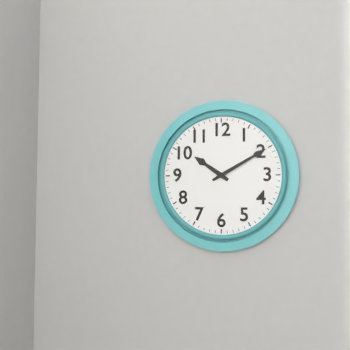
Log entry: 10:10
